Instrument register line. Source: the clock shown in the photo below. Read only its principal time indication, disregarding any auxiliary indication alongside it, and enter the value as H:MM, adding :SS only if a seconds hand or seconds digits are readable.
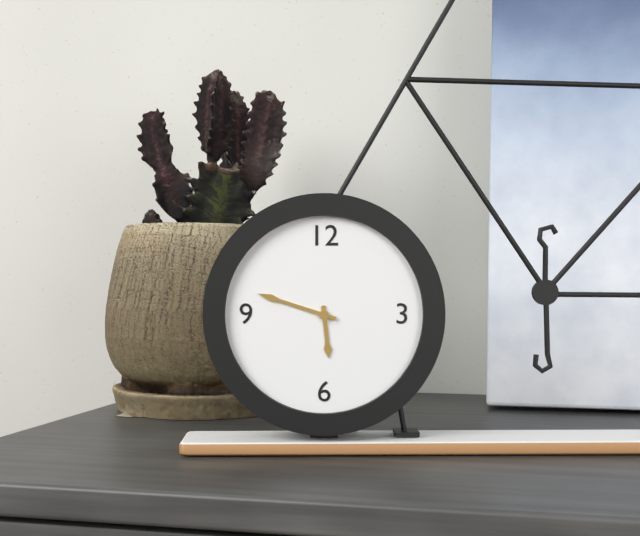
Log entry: 5:48
